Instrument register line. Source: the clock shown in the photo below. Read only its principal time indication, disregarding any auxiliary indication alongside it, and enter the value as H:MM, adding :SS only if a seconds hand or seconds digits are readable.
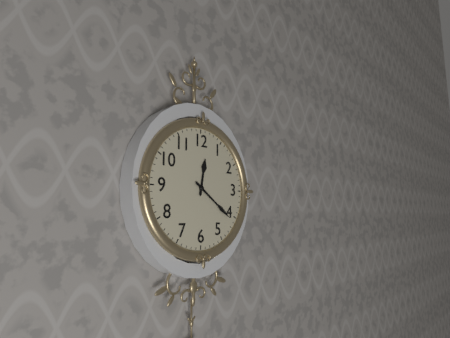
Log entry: 12:21
